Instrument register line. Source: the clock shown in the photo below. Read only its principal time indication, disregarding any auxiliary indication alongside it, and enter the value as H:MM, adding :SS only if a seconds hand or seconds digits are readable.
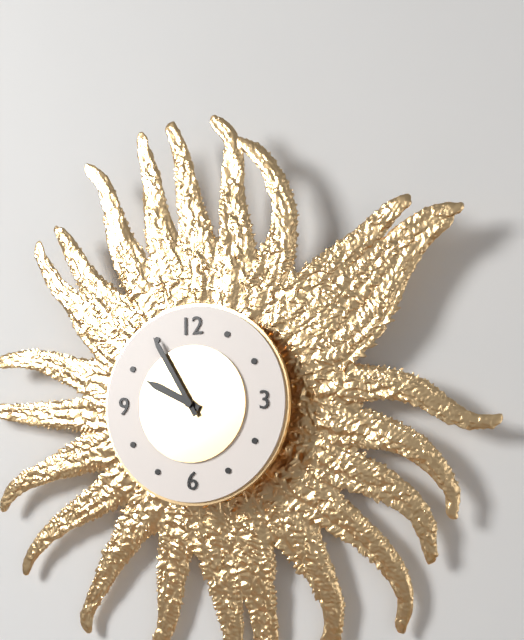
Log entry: 9:55
